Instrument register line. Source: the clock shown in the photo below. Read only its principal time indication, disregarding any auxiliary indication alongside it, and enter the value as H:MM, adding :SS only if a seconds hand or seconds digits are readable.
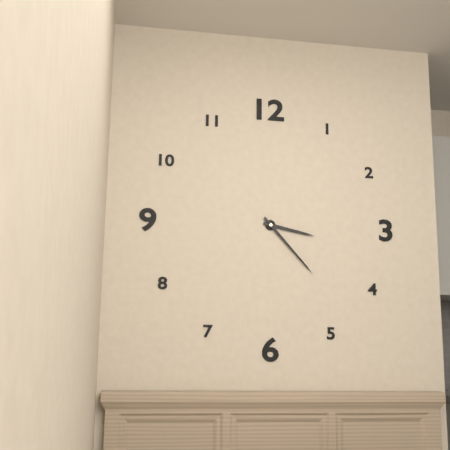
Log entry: 3:23
